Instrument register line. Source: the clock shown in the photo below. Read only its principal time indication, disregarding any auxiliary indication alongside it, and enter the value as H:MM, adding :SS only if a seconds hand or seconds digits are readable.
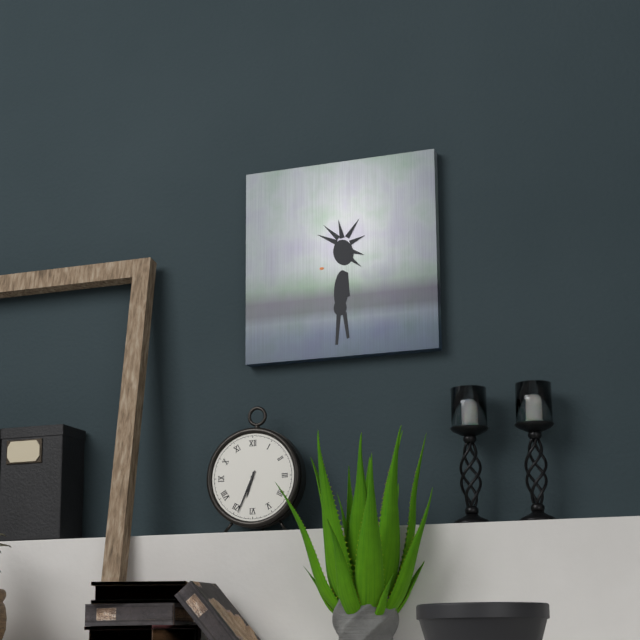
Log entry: 6:34
